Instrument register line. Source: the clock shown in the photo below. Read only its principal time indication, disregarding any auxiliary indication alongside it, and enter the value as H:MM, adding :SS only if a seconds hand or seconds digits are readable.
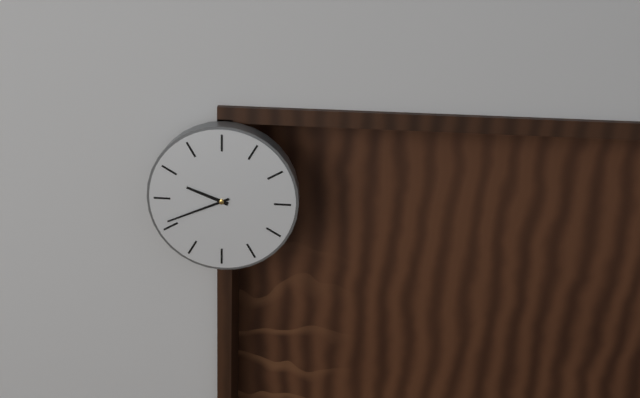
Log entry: 9:41
